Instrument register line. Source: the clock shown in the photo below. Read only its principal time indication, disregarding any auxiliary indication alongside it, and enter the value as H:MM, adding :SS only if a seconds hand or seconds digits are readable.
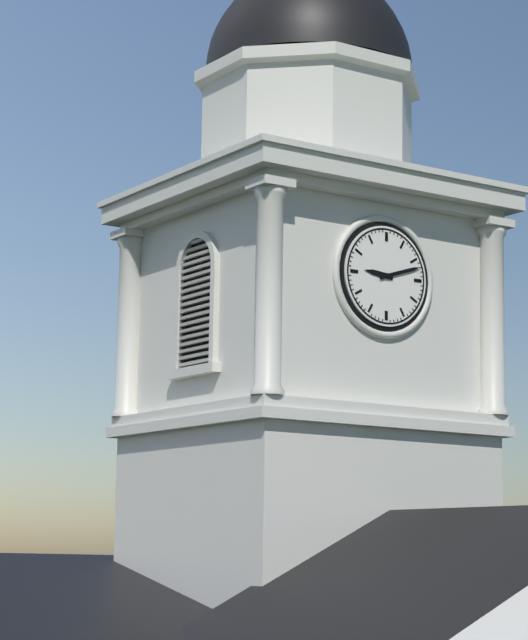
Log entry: 9:12
